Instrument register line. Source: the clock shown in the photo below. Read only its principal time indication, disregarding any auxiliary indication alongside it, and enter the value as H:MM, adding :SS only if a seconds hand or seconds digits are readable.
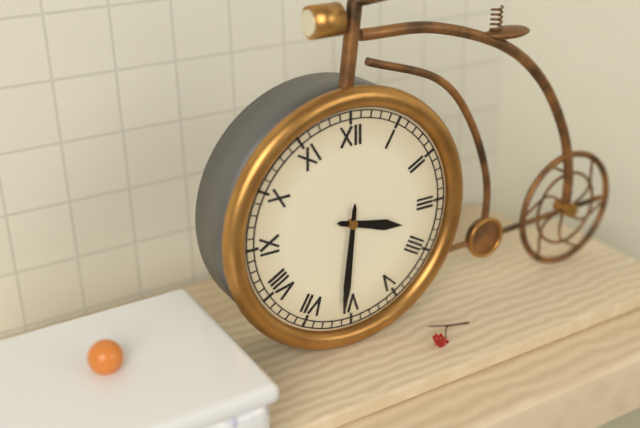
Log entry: 3:31
